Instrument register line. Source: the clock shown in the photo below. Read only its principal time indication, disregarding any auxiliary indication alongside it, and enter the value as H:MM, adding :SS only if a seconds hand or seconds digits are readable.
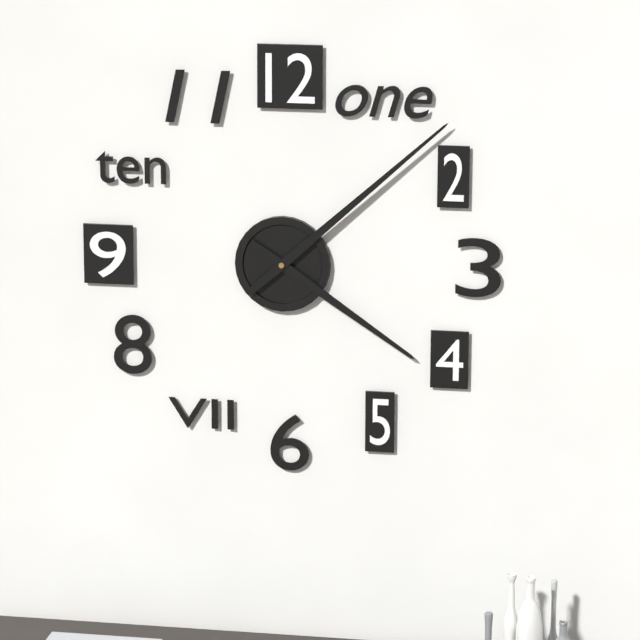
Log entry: 4:08
